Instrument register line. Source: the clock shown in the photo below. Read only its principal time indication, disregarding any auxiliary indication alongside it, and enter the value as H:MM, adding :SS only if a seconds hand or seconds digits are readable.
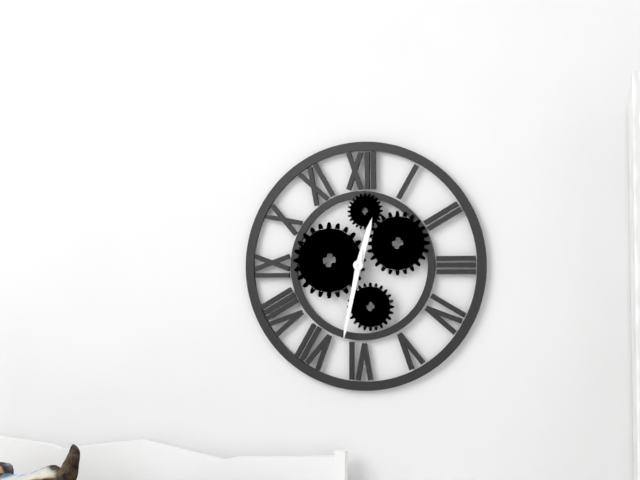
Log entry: 12:32
